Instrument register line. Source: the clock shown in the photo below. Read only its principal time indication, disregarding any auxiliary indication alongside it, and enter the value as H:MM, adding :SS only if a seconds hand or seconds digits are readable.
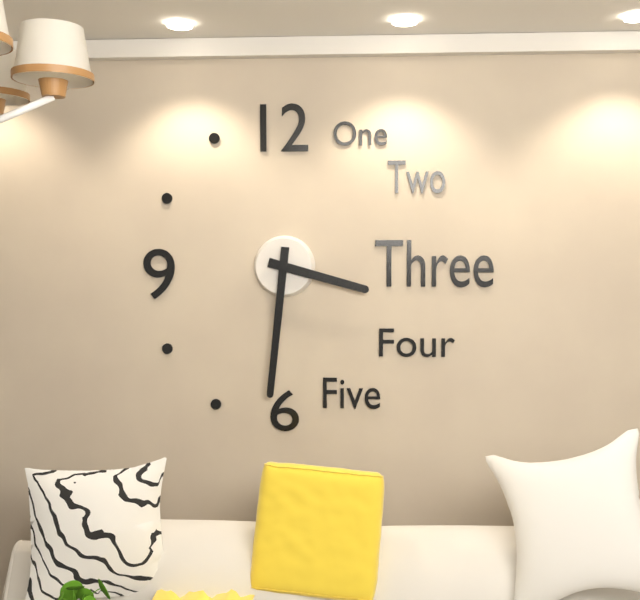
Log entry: 3:31
